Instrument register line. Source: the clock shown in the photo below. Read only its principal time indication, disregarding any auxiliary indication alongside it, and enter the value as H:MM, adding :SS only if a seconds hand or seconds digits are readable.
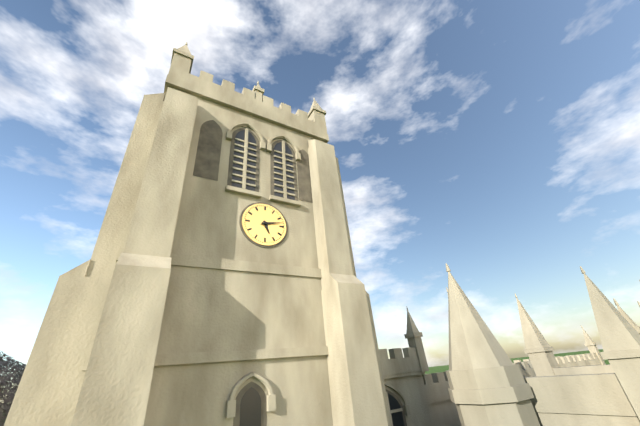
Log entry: 5:13
